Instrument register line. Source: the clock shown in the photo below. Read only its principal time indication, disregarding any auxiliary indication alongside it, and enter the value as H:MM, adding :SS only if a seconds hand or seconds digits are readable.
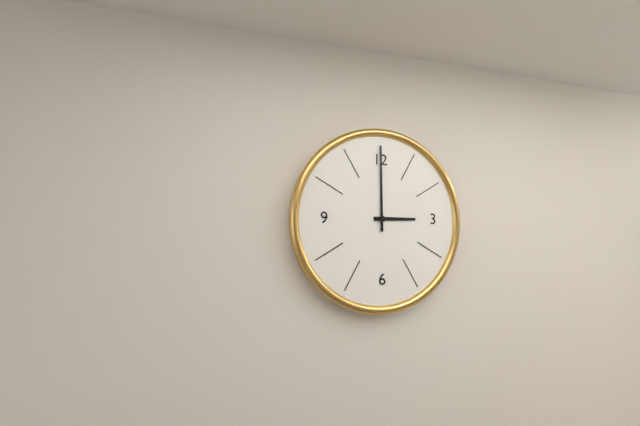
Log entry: 3:00
